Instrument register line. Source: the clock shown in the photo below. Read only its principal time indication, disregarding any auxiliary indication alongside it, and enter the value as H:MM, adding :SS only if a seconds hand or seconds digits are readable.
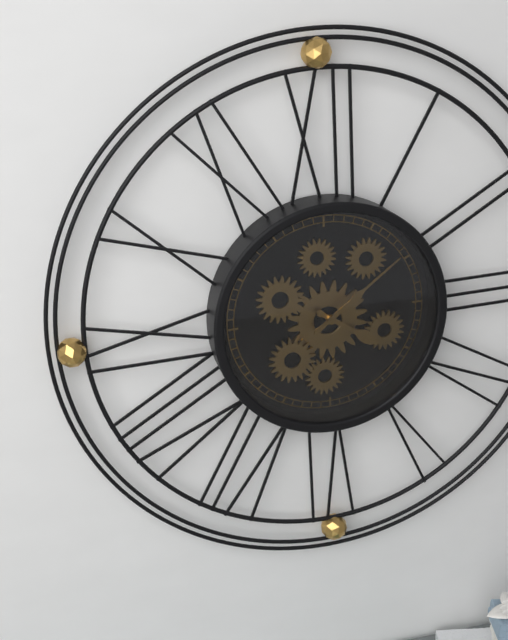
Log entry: 4:09
